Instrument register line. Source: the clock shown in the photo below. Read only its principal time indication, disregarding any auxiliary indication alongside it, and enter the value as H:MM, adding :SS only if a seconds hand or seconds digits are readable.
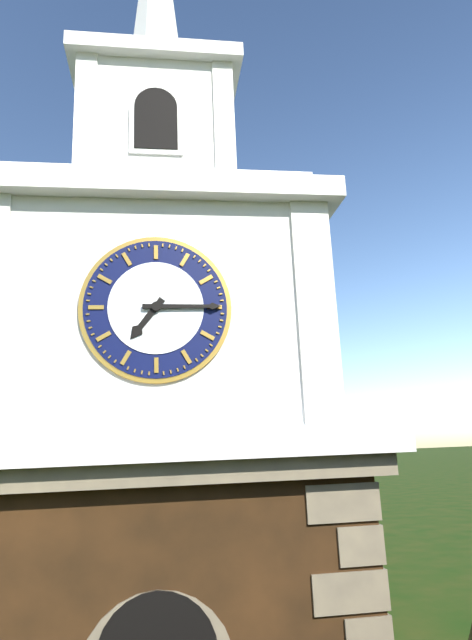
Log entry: 7:15
